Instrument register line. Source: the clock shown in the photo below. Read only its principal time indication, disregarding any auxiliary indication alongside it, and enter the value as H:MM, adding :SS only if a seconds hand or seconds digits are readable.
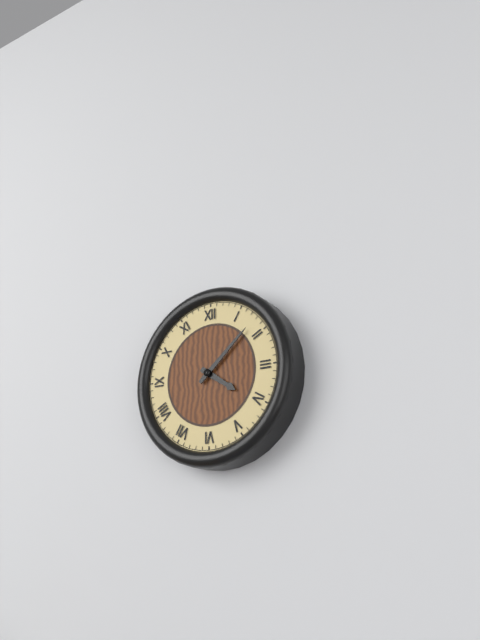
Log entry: 4:08
